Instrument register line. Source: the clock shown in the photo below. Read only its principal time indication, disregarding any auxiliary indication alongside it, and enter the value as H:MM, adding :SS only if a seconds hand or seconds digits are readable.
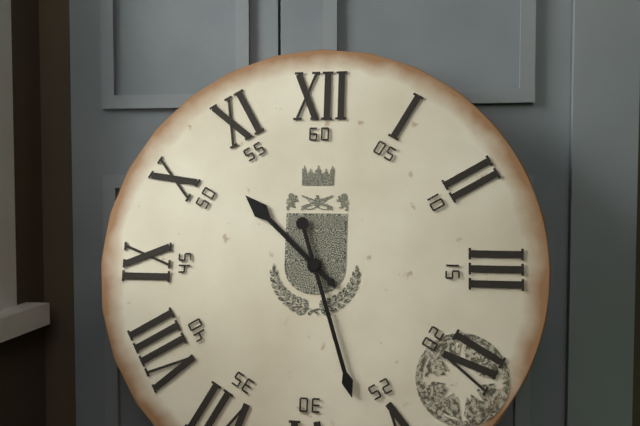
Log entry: 10:27
